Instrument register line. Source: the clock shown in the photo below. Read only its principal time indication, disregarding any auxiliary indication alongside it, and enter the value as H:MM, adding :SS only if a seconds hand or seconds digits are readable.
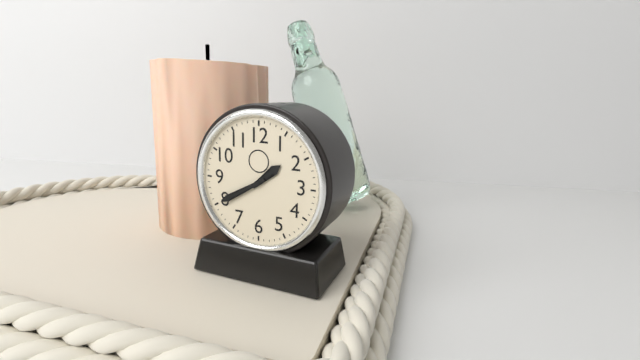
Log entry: 1:40
